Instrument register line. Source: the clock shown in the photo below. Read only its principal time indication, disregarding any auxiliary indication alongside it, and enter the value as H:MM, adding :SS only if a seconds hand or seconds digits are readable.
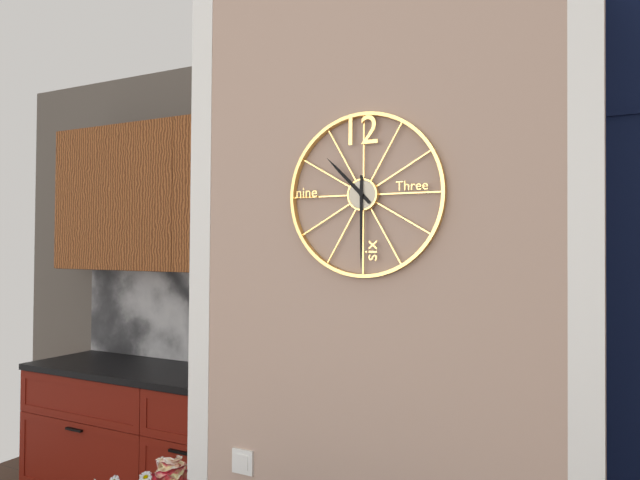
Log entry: 10:30
